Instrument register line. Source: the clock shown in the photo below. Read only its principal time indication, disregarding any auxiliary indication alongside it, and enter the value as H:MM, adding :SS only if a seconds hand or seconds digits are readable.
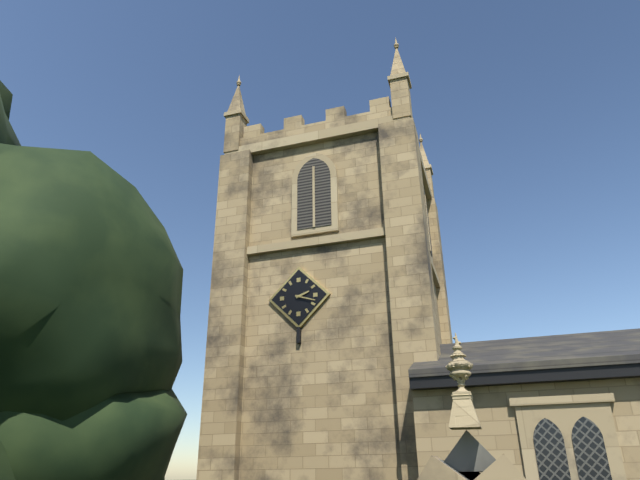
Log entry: 2:18
